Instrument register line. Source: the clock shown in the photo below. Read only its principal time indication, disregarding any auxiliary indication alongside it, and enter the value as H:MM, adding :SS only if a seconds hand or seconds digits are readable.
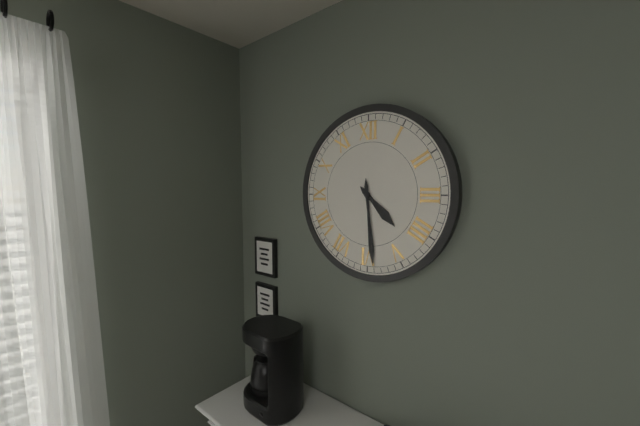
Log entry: 4:29
